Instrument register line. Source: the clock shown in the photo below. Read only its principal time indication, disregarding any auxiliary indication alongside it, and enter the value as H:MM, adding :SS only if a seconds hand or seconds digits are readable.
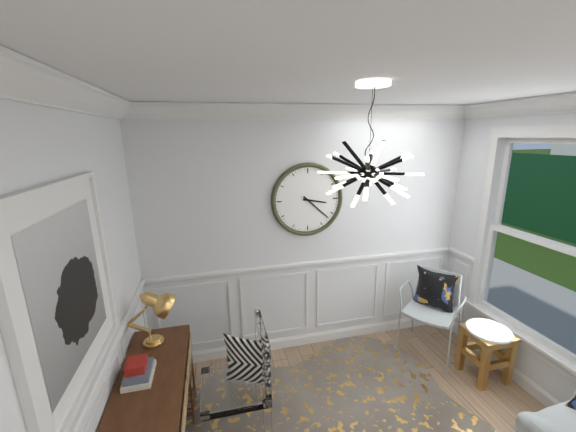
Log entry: 3:22
